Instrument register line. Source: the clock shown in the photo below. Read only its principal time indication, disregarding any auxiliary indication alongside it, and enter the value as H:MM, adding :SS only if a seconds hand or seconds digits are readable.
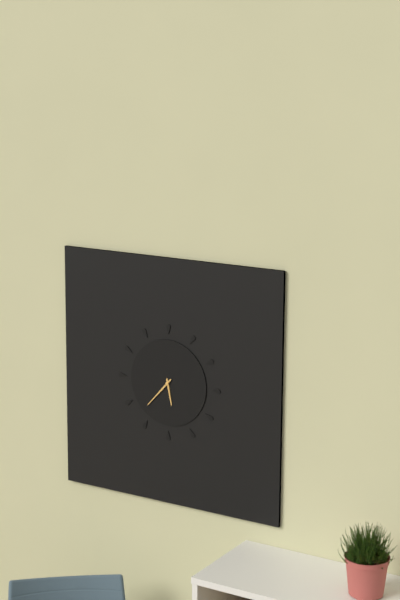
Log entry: 5:37
